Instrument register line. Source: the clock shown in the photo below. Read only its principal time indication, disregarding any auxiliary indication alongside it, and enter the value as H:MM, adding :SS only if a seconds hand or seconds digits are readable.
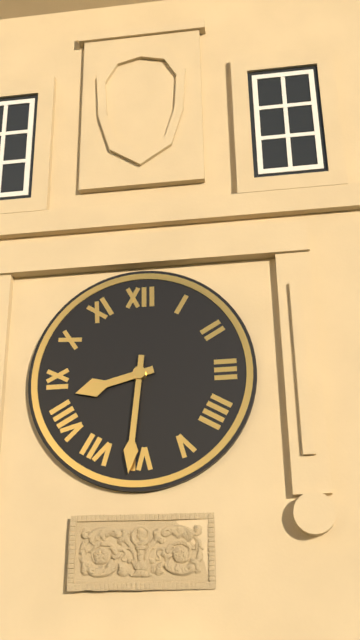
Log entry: 8:31
